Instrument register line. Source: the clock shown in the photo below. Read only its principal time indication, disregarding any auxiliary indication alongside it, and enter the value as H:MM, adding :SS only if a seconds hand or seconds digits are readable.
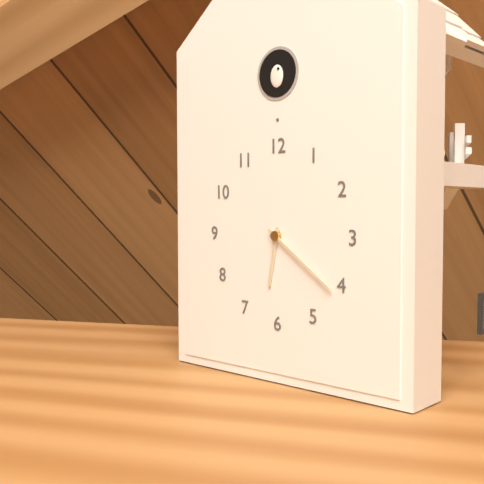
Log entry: 6:21
